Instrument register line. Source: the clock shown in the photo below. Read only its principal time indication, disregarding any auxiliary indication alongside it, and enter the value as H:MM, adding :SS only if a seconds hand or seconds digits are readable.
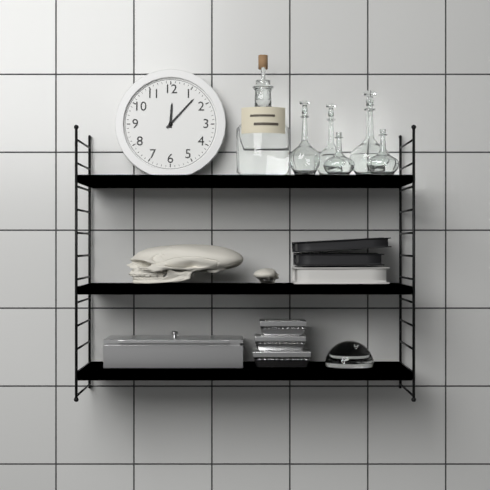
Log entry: 12:07
